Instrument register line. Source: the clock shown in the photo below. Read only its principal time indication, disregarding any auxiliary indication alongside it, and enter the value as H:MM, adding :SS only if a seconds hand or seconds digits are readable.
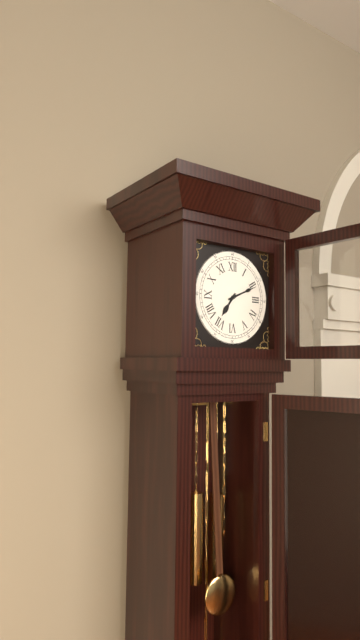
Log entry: 7:11
